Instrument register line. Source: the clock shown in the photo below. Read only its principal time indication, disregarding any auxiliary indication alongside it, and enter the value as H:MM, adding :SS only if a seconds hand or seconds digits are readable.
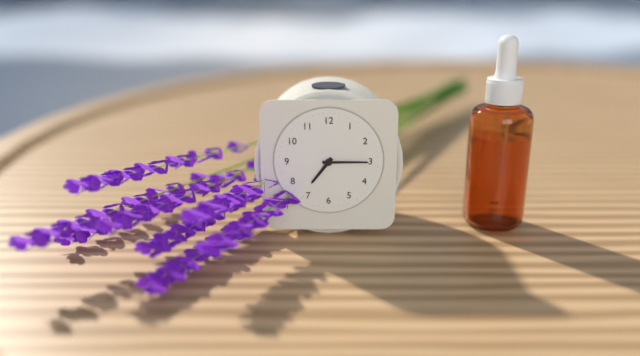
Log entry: 7:15
